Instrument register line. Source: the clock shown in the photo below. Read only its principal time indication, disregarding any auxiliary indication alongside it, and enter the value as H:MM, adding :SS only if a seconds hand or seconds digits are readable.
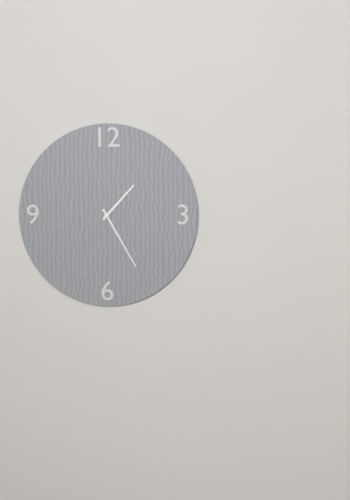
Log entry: 1:25
